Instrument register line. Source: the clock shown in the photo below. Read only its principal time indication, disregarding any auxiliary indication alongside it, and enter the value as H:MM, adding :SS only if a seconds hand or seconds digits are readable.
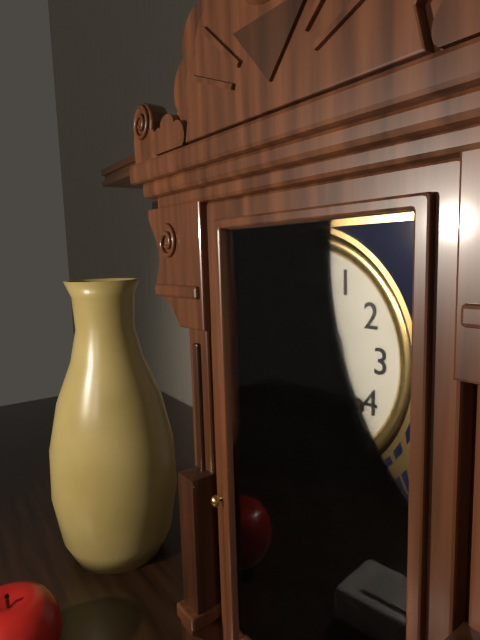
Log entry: 6:31
